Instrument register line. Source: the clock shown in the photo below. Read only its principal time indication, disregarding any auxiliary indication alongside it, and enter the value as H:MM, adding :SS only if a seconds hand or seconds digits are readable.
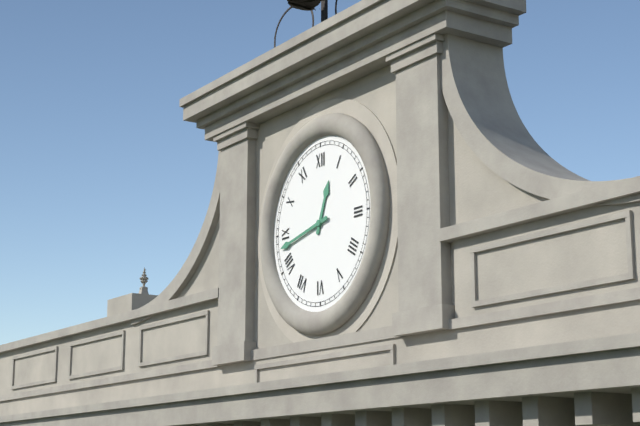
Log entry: 12:43
